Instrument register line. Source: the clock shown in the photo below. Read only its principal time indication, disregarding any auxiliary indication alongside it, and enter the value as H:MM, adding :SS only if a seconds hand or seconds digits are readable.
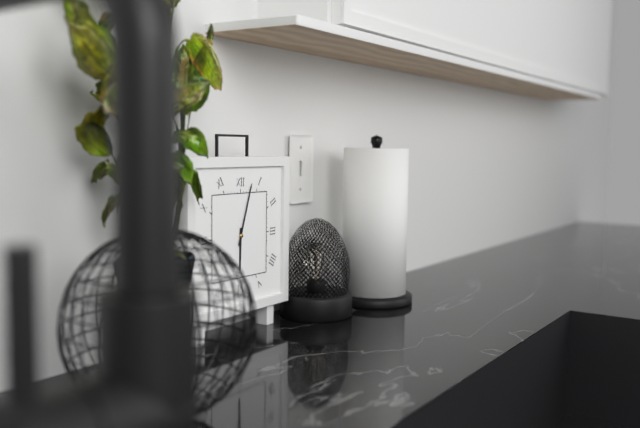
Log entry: 6:03
